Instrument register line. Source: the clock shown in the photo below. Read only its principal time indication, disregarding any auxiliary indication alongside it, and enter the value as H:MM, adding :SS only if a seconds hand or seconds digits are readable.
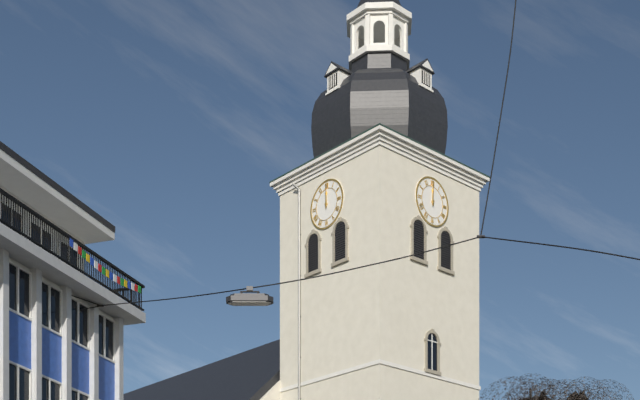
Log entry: 12:00
